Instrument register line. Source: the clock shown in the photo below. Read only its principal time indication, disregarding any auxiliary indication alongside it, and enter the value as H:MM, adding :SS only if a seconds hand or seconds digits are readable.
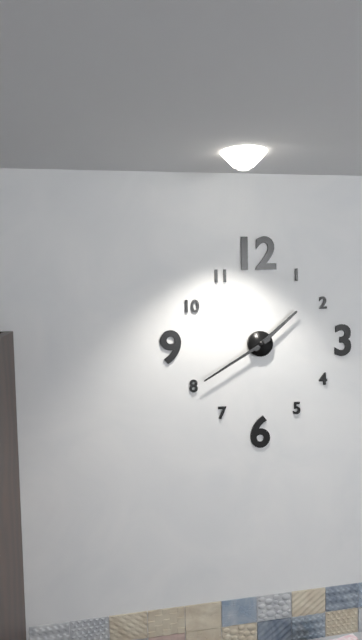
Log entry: 1:40
